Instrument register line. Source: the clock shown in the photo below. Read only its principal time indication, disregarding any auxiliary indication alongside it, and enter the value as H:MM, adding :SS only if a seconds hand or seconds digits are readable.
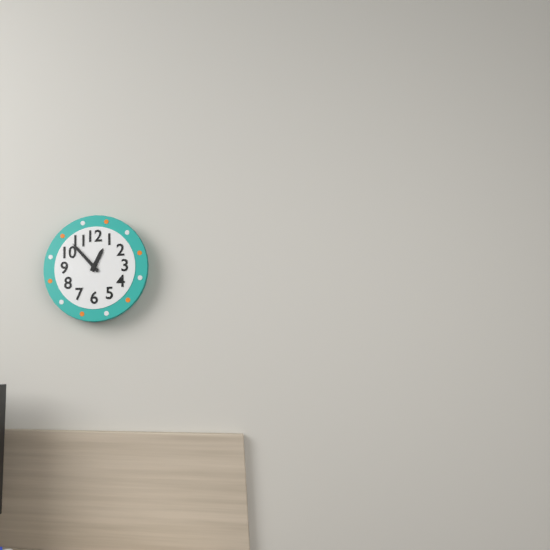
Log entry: 12:53
